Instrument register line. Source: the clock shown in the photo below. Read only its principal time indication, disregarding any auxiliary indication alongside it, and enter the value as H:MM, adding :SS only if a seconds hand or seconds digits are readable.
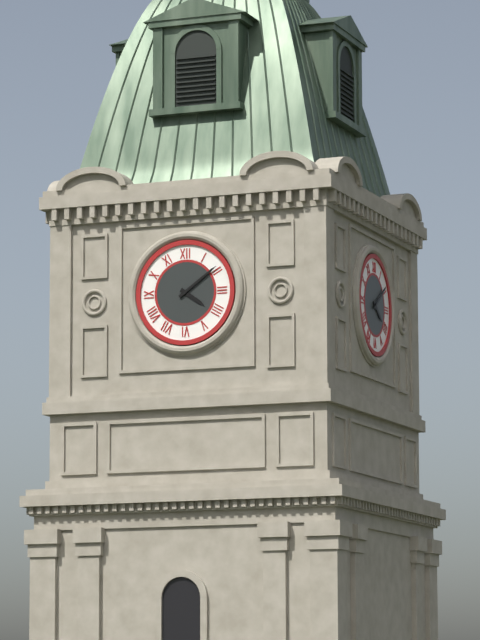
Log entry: 4:09
